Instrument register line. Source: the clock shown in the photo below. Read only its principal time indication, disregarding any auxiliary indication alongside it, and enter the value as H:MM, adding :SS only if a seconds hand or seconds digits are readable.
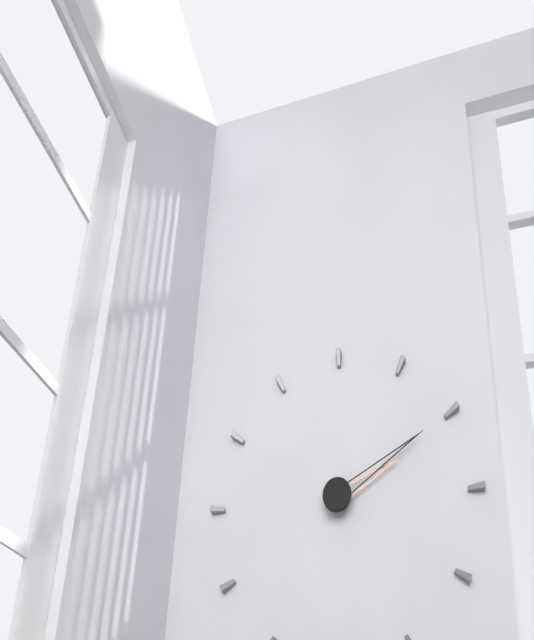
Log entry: 2:10
